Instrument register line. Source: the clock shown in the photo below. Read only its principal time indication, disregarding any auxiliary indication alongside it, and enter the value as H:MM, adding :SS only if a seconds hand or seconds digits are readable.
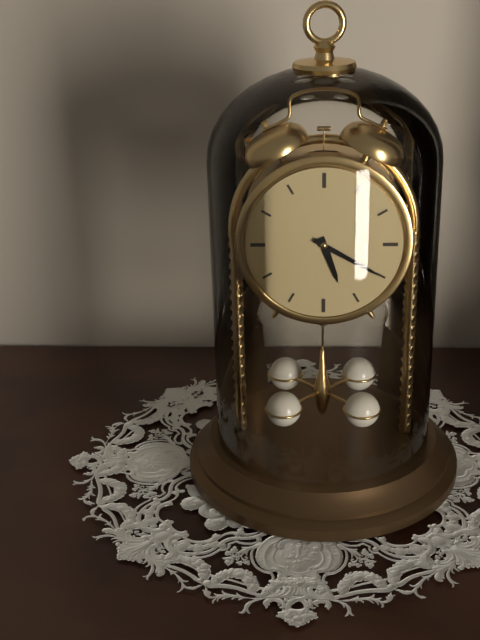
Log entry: 5:20
